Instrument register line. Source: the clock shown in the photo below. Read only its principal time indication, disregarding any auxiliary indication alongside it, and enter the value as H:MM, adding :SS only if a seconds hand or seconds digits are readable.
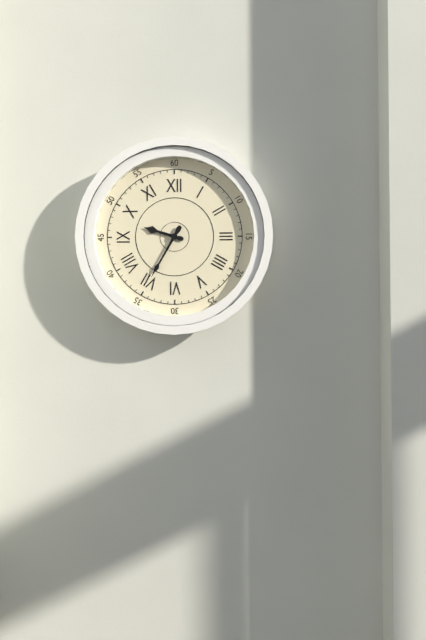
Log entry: 9:35
